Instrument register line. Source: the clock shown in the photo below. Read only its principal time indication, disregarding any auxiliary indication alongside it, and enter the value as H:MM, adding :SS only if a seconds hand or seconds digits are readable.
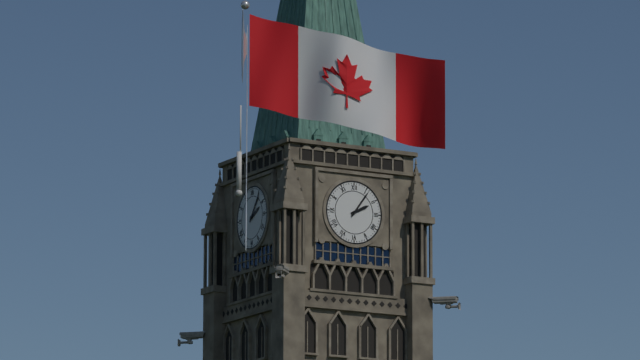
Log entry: 2:06
